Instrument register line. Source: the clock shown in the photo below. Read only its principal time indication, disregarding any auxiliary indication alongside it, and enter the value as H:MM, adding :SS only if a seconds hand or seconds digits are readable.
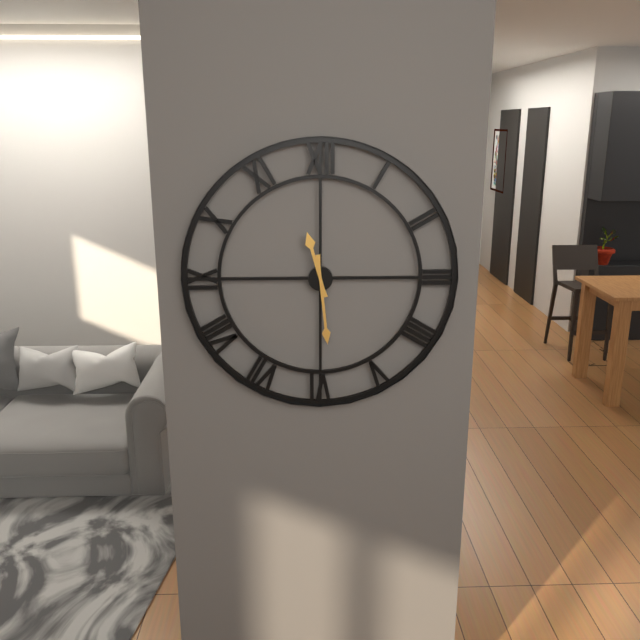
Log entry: 11:29
